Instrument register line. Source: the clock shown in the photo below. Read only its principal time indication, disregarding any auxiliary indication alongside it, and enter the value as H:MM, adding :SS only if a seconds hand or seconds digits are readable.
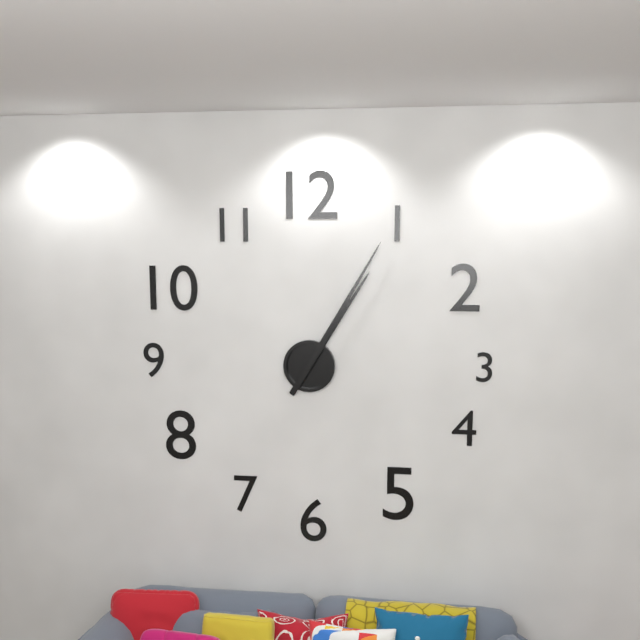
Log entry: 1:05
